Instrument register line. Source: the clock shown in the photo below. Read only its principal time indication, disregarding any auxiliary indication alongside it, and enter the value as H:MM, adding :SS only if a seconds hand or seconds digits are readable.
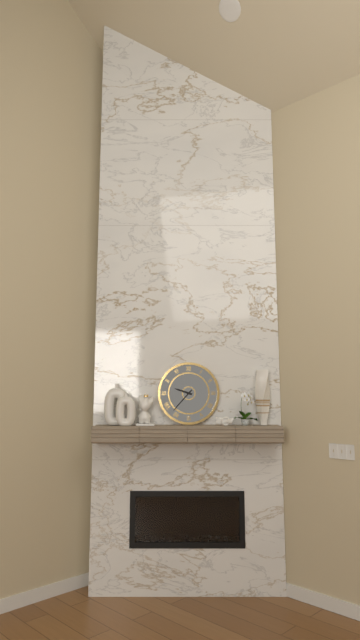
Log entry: 9:37
